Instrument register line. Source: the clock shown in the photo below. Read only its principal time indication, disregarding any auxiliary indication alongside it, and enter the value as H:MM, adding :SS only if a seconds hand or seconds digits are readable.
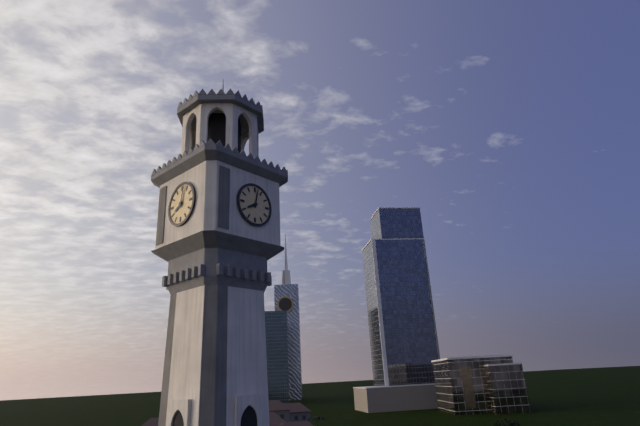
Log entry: 8:02
